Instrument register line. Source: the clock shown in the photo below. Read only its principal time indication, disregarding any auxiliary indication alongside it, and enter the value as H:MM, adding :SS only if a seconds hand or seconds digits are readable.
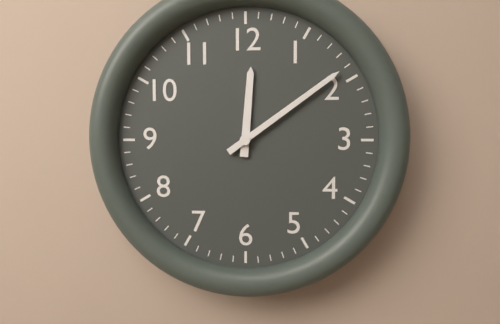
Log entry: 12:09
